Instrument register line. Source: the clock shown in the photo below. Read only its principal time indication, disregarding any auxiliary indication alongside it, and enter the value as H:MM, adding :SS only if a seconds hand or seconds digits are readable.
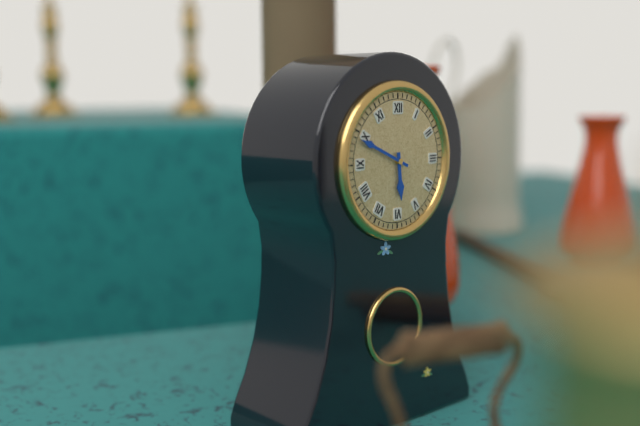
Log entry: 5:49
